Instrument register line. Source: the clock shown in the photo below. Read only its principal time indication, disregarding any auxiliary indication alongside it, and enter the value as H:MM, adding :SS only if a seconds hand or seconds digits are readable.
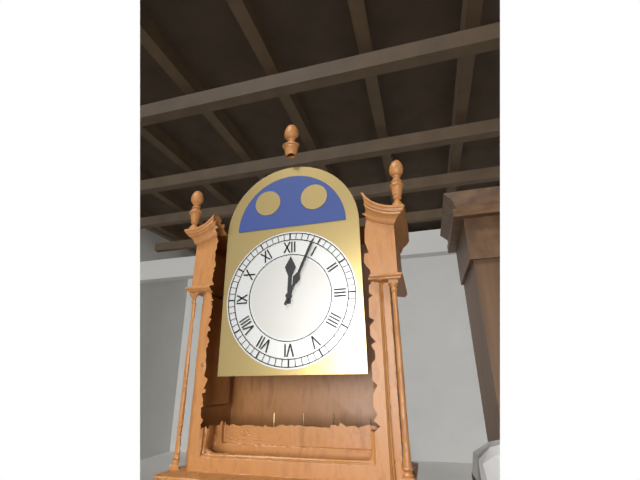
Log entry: 12:04
